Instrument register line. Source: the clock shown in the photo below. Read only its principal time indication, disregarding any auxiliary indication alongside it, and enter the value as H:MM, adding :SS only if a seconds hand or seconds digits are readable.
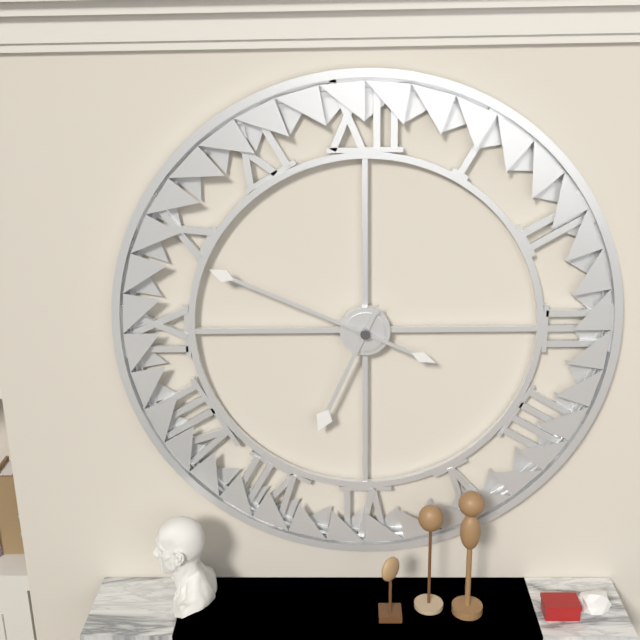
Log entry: 6:49
